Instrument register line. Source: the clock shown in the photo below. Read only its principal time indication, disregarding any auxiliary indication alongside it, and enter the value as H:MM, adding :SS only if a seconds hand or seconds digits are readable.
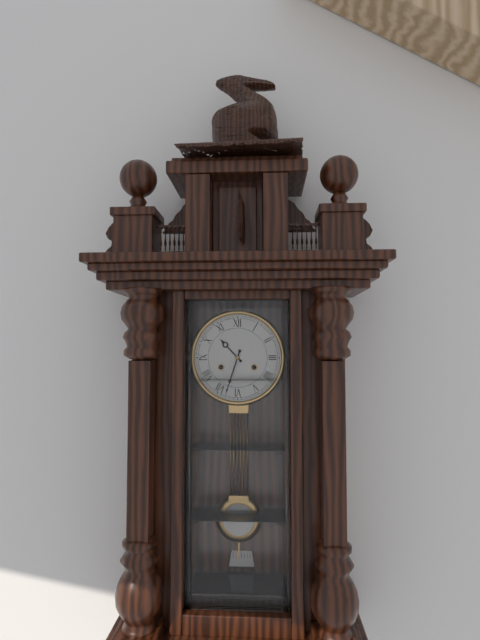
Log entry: 10:33
